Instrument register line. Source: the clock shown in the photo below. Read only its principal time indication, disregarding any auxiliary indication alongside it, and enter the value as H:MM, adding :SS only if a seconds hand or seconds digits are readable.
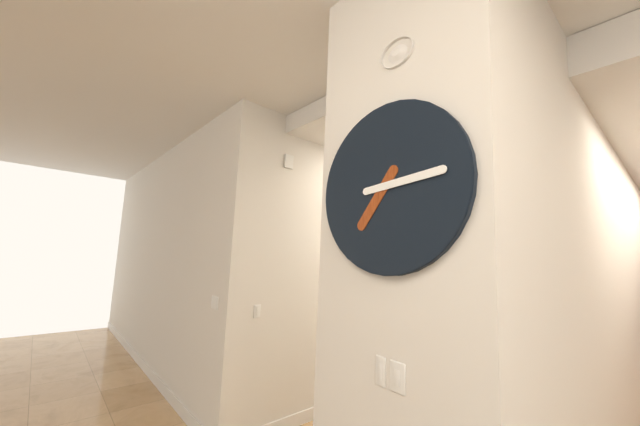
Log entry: 7:14
